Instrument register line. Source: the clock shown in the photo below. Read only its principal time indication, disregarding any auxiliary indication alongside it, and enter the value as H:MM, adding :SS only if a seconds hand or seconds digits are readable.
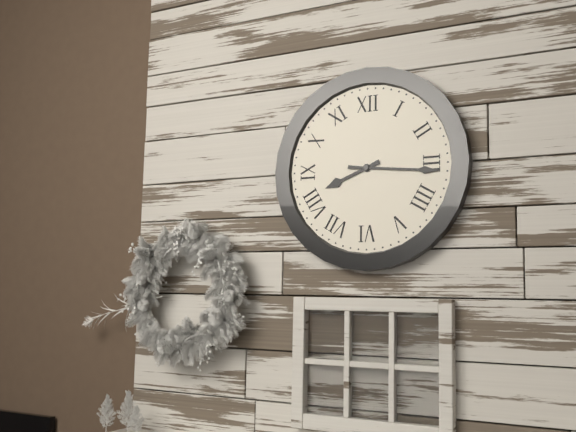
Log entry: 8:16
